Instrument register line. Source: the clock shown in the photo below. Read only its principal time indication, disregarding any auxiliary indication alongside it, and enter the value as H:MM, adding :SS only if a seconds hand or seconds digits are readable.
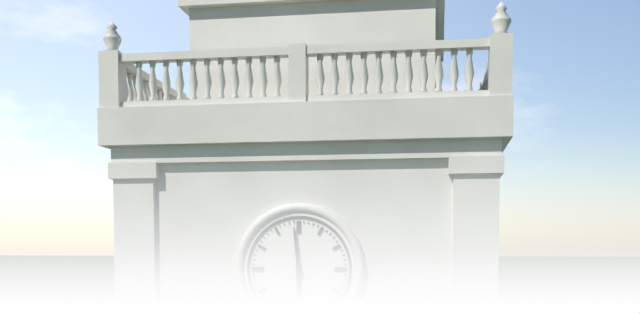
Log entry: 5:59
